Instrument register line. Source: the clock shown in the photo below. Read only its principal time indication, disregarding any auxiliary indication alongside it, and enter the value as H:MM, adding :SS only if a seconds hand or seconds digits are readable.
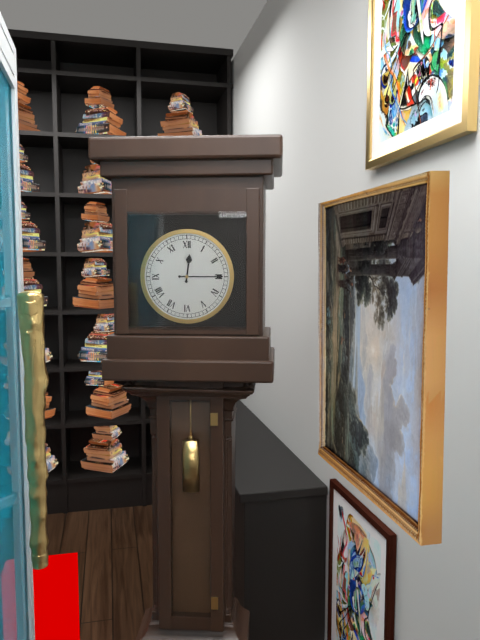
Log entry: 12:15
